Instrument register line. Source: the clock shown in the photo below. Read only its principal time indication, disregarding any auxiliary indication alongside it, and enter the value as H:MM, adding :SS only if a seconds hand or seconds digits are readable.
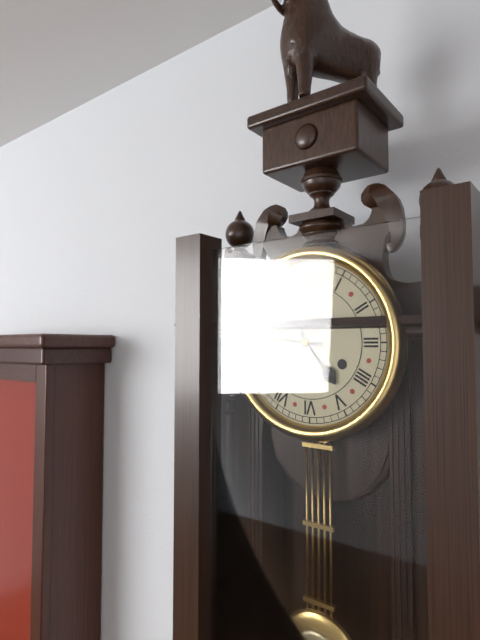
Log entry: 4:46
